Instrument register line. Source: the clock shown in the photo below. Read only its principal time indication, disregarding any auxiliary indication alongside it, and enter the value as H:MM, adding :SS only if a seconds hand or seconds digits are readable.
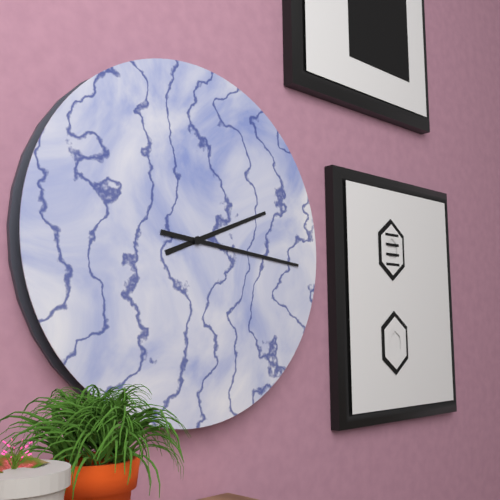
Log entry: 2:16
